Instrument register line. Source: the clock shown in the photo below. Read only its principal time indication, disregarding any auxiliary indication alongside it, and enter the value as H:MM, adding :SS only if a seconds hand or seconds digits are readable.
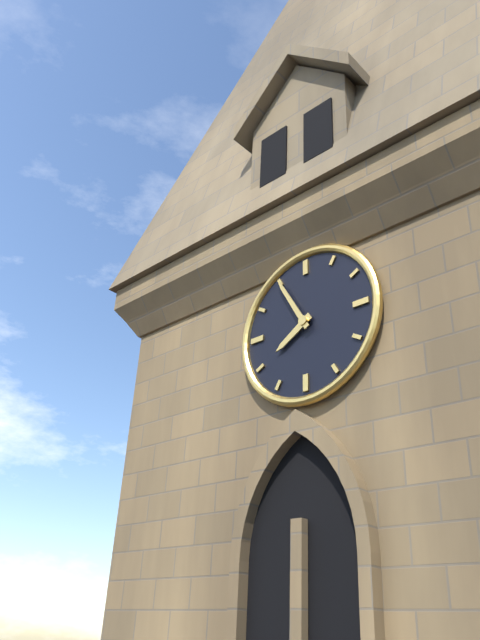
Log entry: 7:55
